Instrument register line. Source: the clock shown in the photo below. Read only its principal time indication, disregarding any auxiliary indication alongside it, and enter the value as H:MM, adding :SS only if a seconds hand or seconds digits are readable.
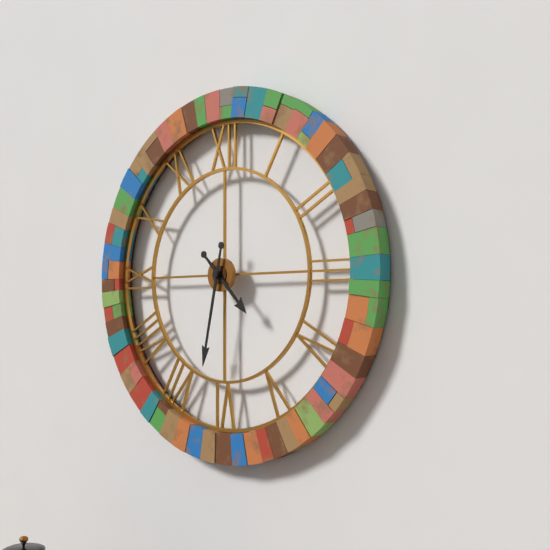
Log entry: 4:32
